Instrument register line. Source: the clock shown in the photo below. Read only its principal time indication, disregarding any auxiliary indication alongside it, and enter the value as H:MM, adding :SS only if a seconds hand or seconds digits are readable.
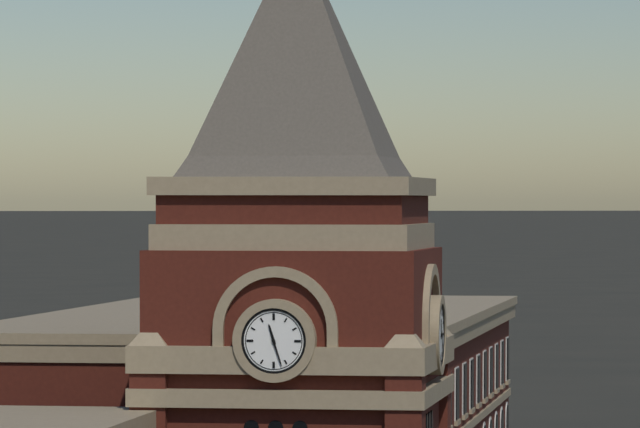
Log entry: 11:27
